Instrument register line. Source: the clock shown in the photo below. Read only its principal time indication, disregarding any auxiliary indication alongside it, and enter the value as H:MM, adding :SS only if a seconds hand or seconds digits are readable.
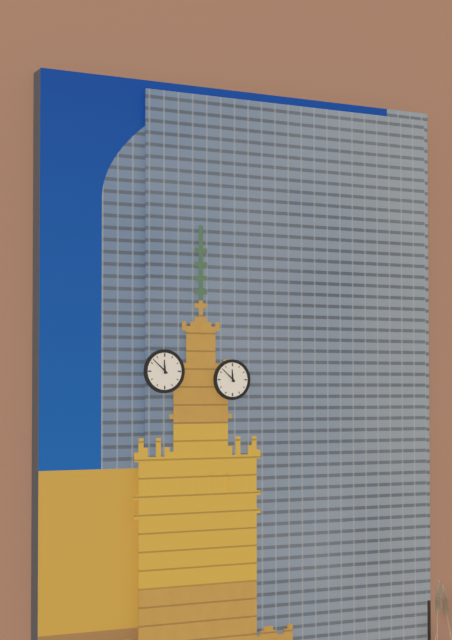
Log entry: 11:52
